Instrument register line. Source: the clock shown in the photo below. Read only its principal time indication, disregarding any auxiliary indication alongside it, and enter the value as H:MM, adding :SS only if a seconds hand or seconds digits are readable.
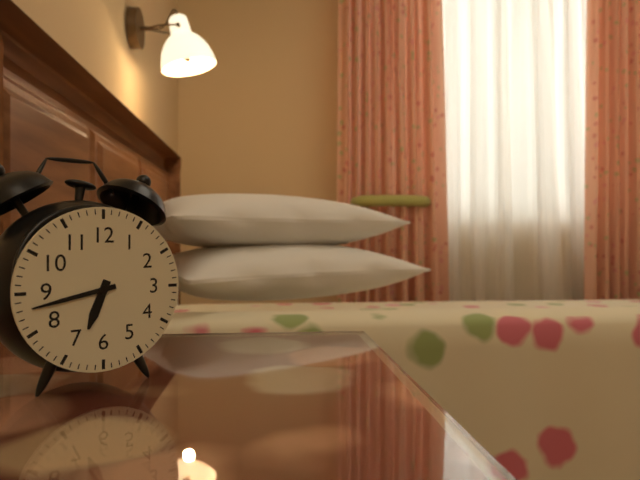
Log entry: 6:43
